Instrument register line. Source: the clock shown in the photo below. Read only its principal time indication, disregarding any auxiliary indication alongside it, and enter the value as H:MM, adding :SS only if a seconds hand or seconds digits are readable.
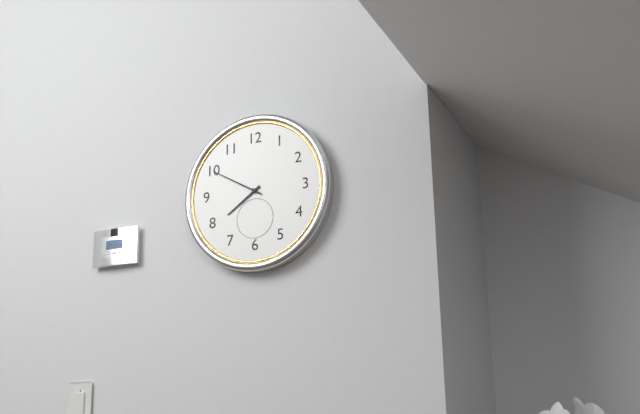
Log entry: 7:50
